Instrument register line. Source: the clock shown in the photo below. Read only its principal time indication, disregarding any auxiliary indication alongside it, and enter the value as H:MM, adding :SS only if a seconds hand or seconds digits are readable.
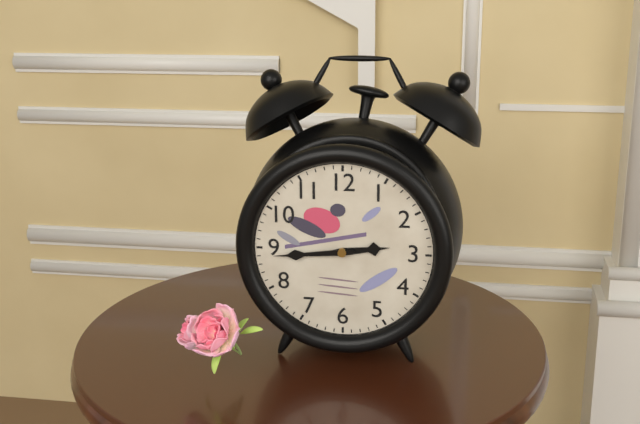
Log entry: 2:44
